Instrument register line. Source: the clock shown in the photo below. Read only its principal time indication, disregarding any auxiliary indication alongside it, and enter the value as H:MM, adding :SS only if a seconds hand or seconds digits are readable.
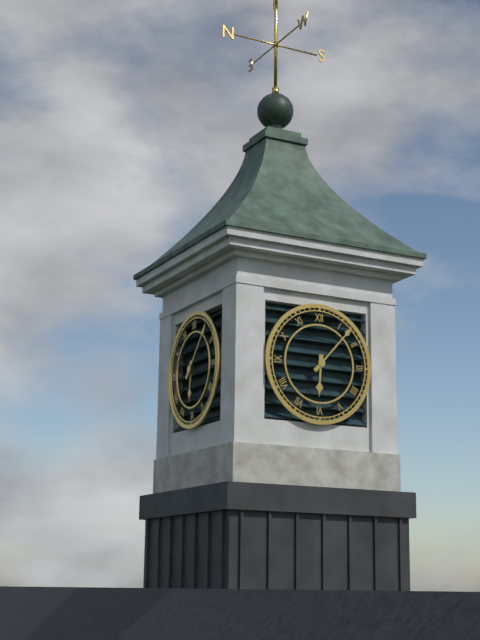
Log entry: 6:07
